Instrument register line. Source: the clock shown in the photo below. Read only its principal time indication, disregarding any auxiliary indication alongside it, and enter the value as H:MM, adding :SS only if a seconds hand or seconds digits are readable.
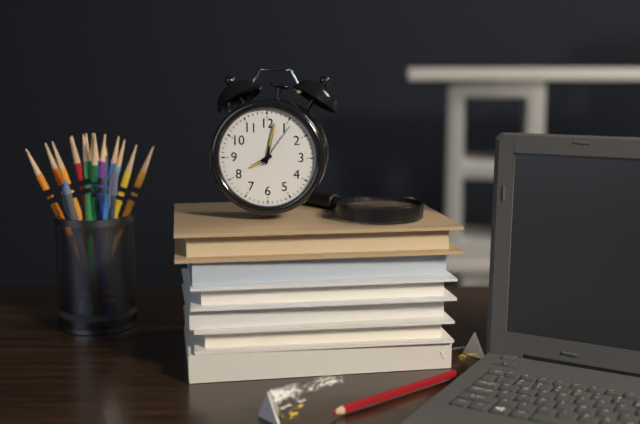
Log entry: 8:02
